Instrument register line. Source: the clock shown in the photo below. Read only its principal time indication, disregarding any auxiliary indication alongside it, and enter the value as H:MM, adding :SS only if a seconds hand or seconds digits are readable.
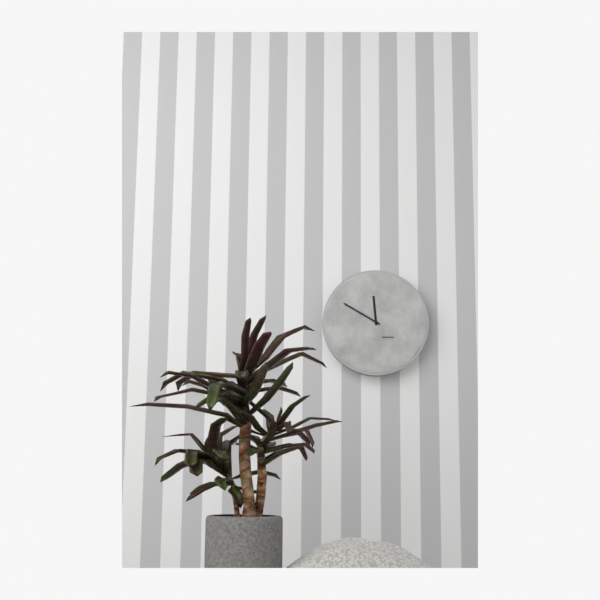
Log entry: 11:50
